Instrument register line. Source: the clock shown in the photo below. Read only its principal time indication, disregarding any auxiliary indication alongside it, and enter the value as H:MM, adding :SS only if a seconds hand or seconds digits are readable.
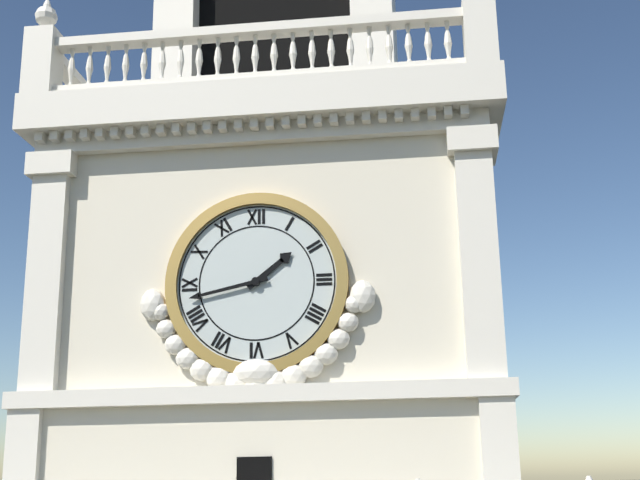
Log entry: 1:43
